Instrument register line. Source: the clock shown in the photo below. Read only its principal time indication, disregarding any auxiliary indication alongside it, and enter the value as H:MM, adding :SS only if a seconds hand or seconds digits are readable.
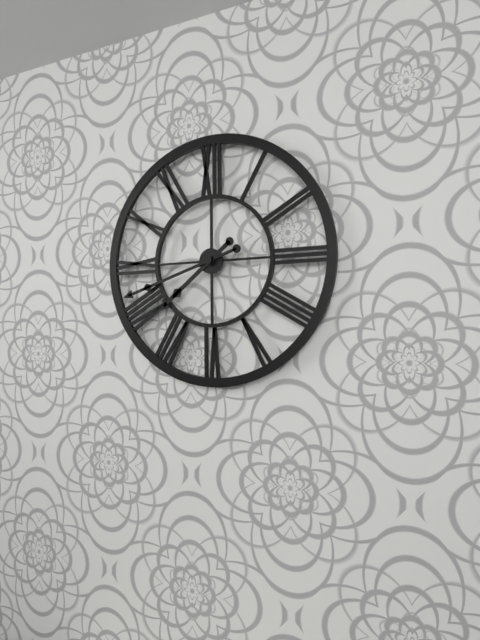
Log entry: 7:42
